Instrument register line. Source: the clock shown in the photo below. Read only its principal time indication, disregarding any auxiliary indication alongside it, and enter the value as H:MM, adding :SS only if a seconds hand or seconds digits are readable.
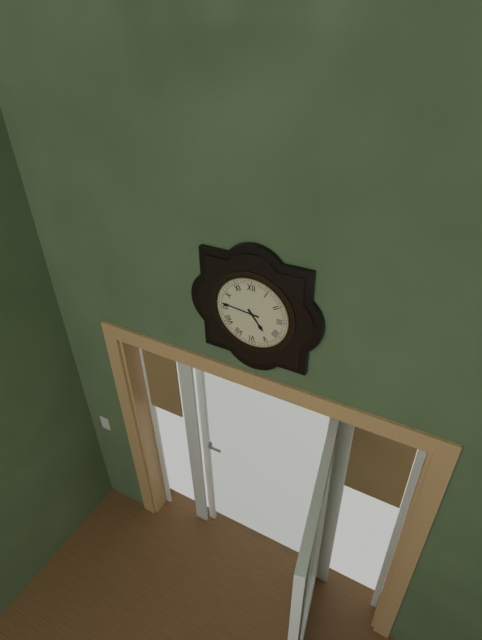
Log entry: 4:46
